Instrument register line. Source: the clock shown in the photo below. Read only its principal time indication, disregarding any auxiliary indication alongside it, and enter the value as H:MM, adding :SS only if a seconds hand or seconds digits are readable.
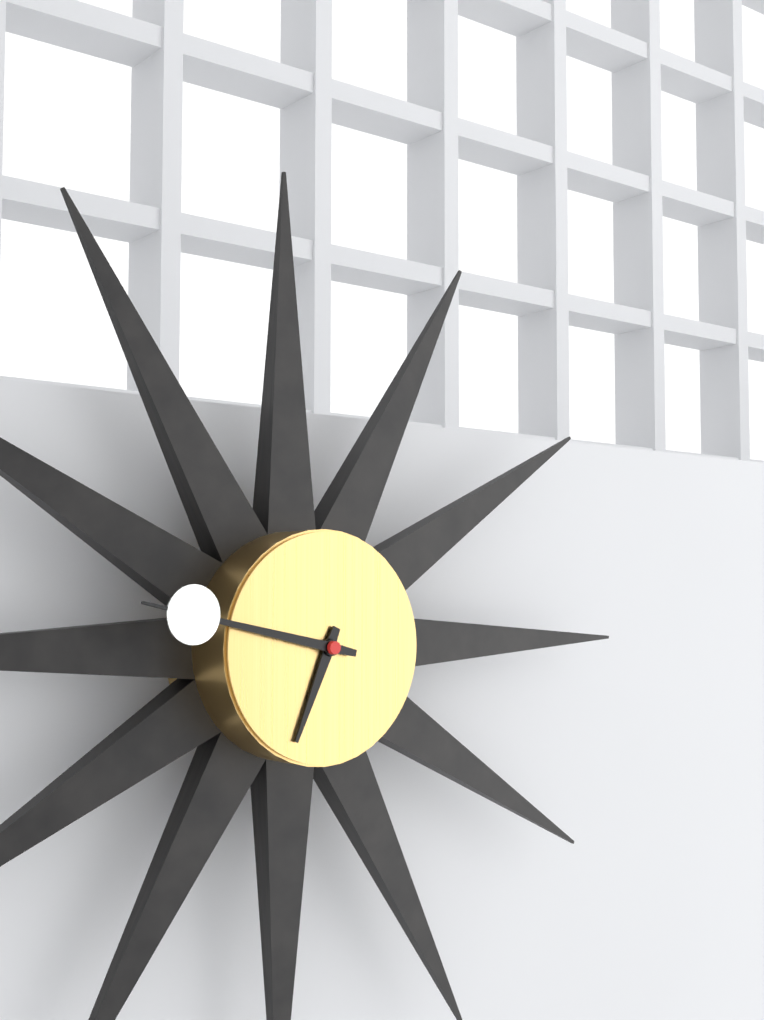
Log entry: 6:47
